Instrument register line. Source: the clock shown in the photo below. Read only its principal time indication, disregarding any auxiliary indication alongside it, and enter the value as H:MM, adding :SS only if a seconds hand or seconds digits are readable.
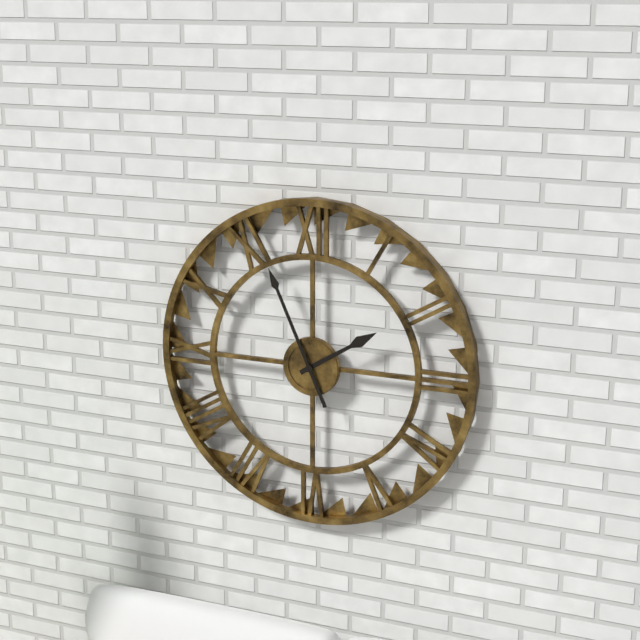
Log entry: 1:56
